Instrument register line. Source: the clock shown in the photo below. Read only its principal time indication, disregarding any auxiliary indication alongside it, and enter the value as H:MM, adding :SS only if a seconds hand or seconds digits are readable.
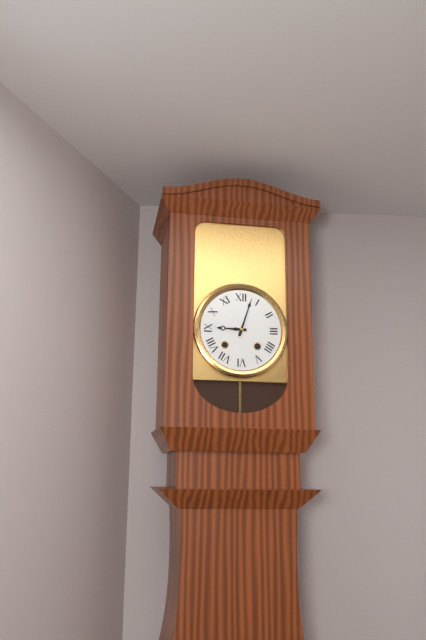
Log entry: 9:03
